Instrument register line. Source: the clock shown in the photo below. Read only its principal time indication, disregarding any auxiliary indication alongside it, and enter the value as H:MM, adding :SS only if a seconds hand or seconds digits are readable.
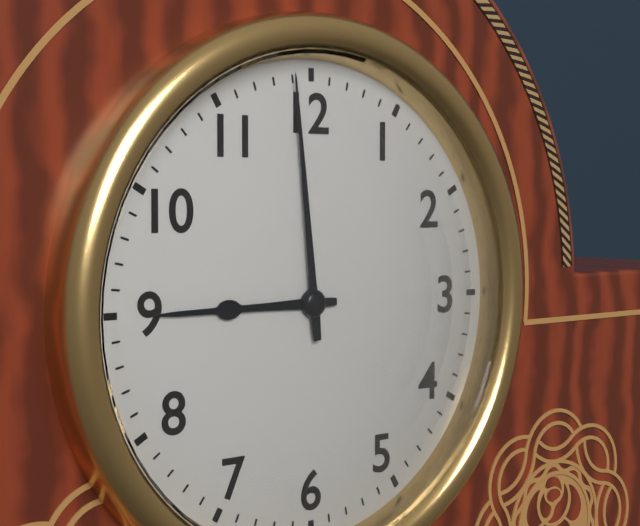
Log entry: 8:59
